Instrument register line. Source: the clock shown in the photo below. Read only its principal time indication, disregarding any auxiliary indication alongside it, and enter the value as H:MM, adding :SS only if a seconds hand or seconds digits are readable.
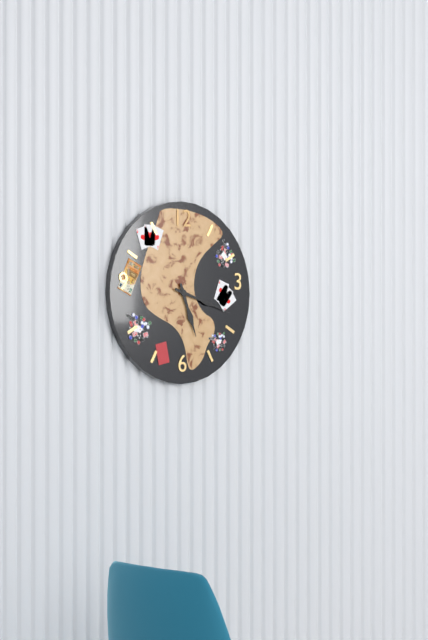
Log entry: 5:18
